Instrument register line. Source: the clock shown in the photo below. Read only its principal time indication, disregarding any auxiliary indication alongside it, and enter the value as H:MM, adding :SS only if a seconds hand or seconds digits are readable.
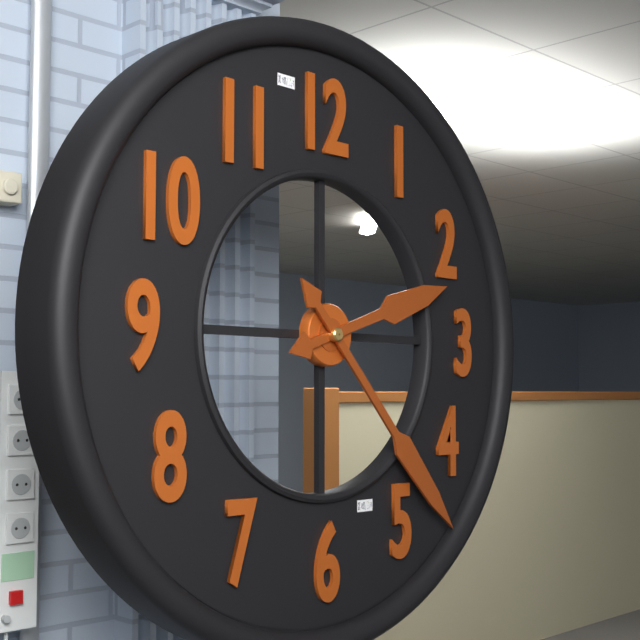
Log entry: 2:23
